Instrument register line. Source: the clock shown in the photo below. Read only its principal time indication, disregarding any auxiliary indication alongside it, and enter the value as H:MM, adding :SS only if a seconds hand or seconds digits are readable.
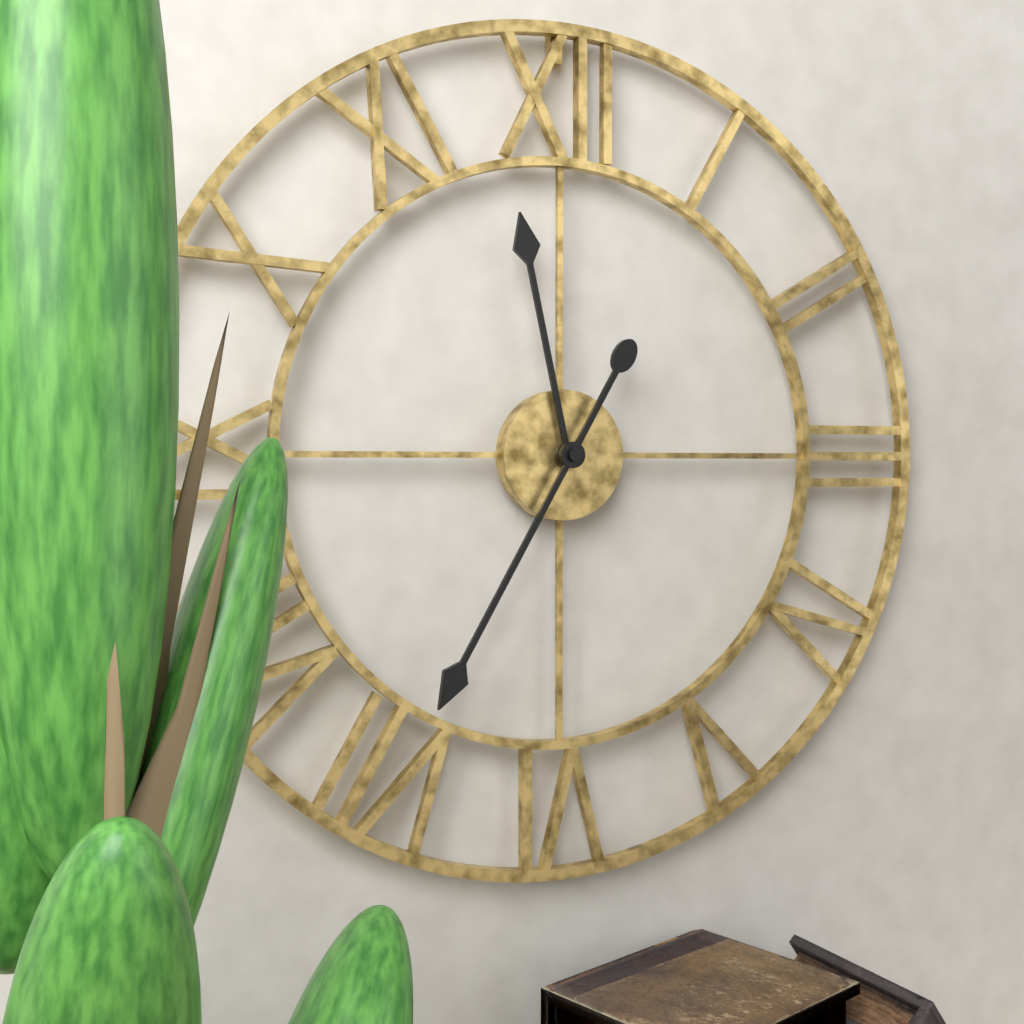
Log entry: 11:35
